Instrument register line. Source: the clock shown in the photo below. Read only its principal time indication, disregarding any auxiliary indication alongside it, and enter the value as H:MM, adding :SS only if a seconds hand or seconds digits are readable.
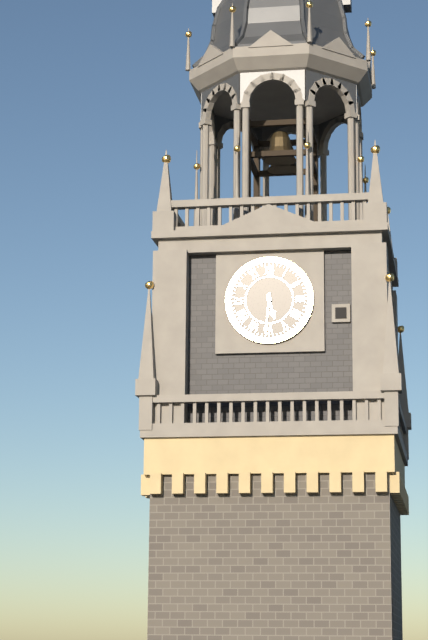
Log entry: 5:31
